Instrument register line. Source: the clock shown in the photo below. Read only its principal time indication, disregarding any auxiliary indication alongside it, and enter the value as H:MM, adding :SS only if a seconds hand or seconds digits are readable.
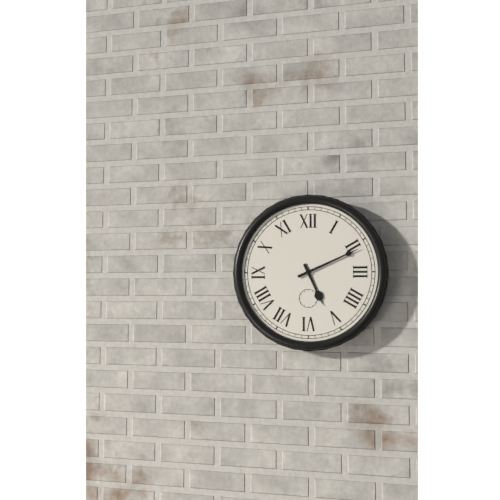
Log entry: 5:11
